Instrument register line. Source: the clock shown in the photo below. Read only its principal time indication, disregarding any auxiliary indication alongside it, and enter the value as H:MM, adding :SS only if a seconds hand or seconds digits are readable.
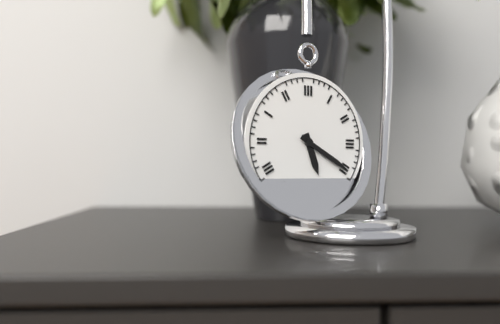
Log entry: 5:20
